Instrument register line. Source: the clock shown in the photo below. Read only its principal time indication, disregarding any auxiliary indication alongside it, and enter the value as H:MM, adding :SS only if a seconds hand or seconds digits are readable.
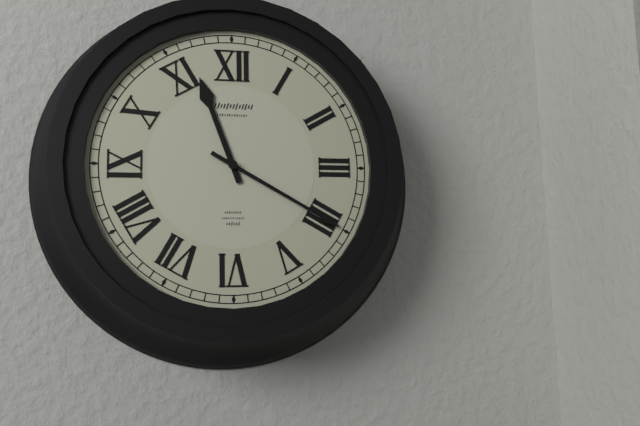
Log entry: 11:20
